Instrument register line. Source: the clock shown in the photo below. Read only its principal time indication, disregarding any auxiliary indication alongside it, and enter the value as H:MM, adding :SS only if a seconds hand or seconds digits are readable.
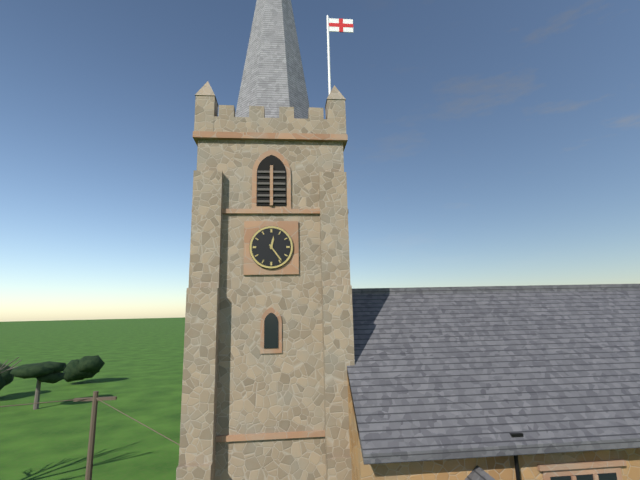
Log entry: 12:24
